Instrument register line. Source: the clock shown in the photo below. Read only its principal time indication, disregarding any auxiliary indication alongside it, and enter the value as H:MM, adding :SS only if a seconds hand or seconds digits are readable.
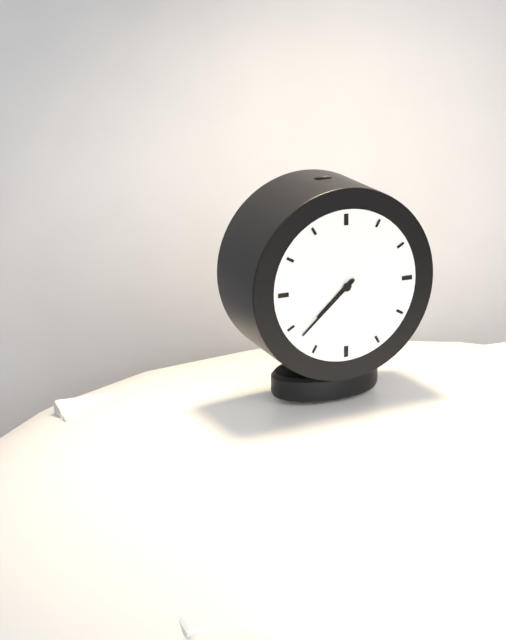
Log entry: 7:38
